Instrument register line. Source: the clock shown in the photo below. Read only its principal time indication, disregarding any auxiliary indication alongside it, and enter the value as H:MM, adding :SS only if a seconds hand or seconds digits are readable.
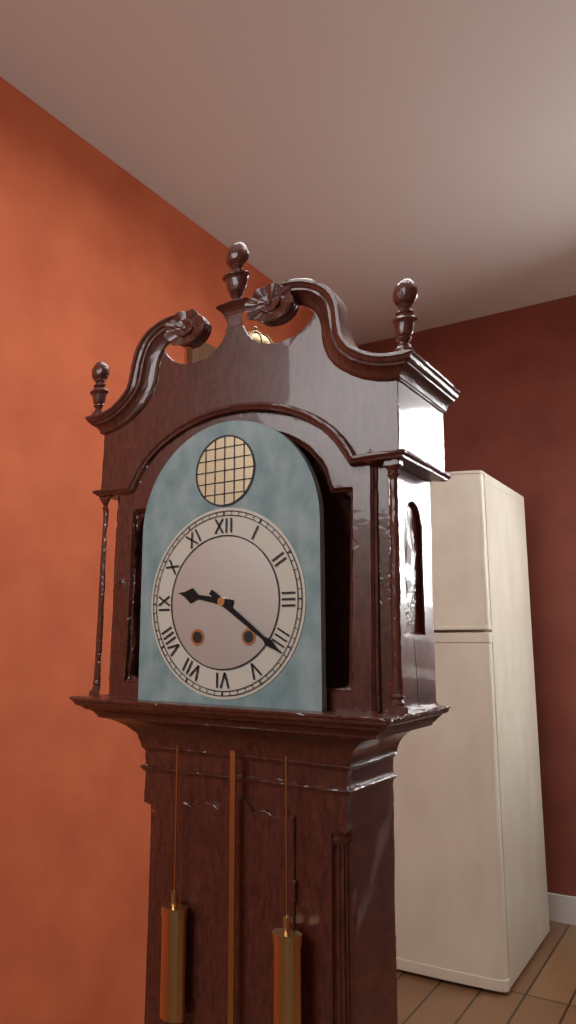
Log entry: 9:21
